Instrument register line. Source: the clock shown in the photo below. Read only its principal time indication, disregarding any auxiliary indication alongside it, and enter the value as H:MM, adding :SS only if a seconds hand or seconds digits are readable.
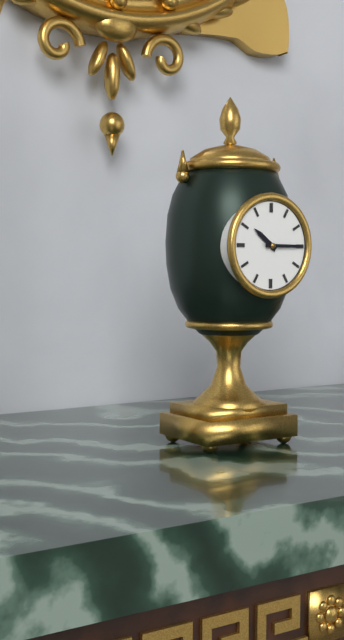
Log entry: 10:15
